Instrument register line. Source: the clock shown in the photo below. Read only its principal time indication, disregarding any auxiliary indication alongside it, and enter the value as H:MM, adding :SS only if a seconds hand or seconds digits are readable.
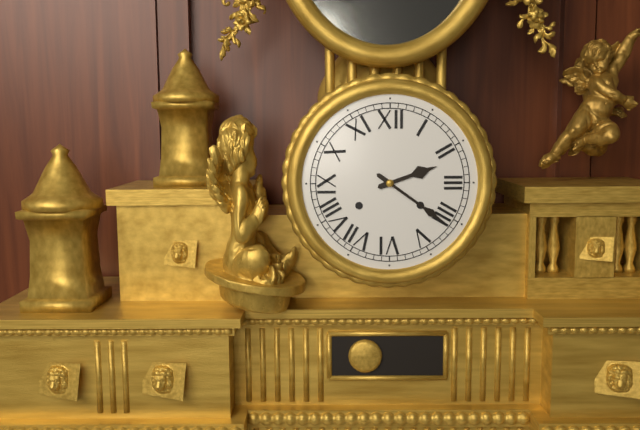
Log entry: 2:21
